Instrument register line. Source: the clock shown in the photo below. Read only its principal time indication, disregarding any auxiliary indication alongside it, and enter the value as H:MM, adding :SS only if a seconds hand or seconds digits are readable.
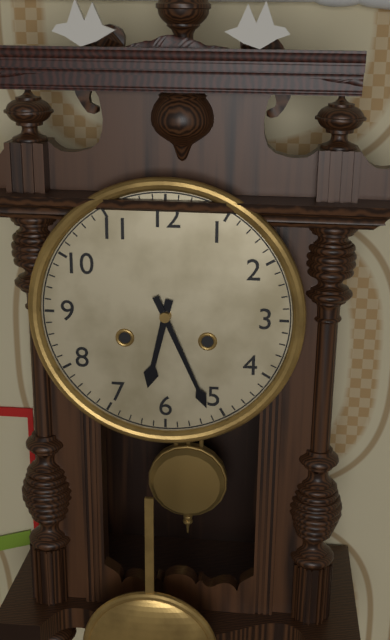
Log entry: 6:26
